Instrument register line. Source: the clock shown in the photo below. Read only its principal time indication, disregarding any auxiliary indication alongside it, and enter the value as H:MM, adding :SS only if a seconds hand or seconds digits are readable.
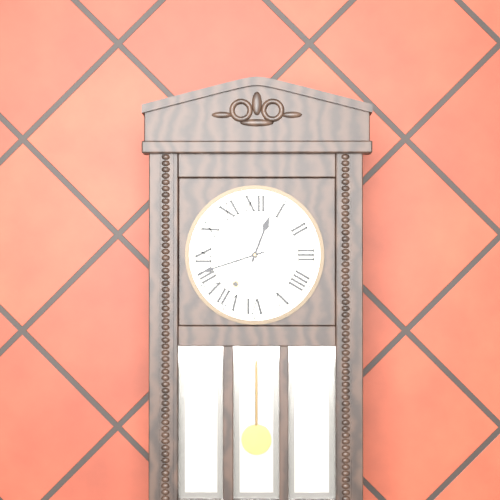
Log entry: 12:42
